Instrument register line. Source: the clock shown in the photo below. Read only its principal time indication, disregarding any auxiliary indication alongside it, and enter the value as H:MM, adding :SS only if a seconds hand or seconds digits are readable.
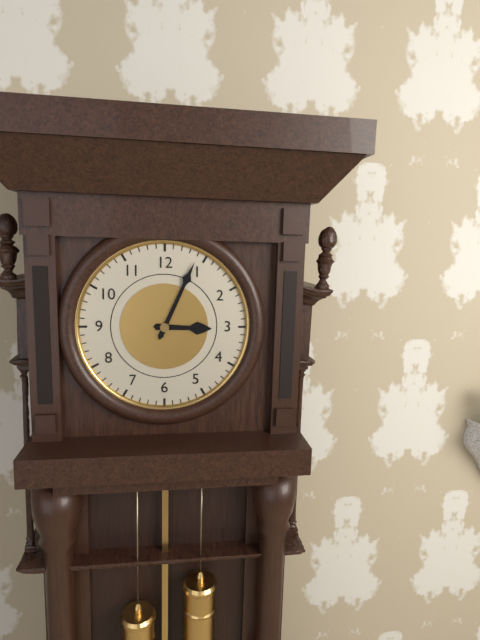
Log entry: 3:04
